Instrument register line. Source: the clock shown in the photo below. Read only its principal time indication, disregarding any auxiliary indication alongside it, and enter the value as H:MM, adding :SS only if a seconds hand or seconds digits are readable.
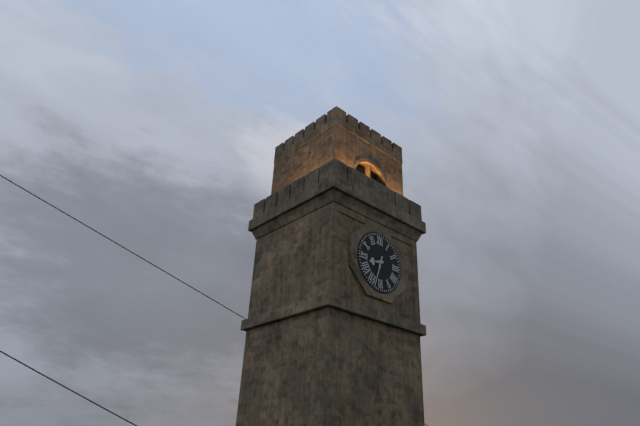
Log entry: 8:33
